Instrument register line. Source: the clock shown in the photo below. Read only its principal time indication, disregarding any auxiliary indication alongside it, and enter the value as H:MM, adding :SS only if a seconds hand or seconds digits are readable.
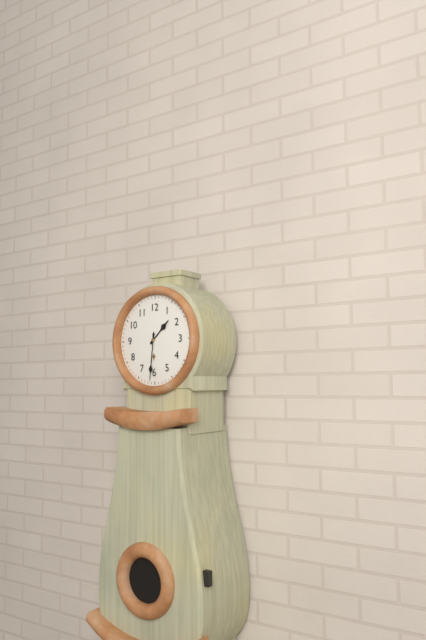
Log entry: 1:31
